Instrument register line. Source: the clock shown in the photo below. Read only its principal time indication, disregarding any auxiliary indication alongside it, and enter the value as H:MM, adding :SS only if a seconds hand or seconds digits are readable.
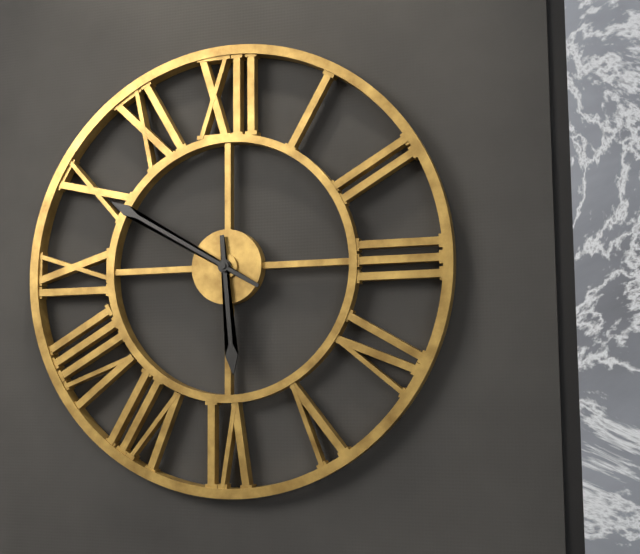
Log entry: 5:50
